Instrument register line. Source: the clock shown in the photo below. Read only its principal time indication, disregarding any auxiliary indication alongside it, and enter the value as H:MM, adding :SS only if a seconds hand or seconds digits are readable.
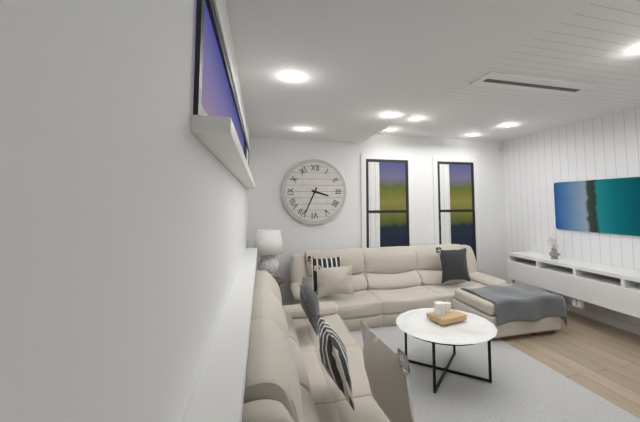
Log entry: 3:34
